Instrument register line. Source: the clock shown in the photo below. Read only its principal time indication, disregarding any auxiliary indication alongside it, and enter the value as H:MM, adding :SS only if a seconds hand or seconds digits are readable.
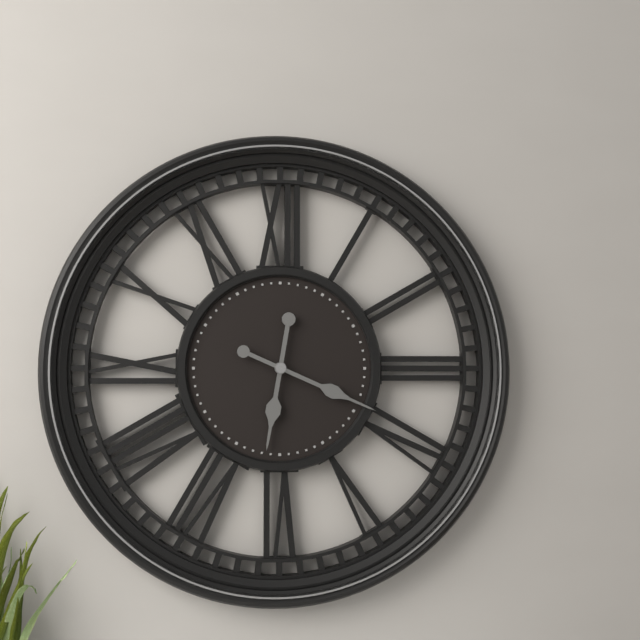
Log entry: 6:19
